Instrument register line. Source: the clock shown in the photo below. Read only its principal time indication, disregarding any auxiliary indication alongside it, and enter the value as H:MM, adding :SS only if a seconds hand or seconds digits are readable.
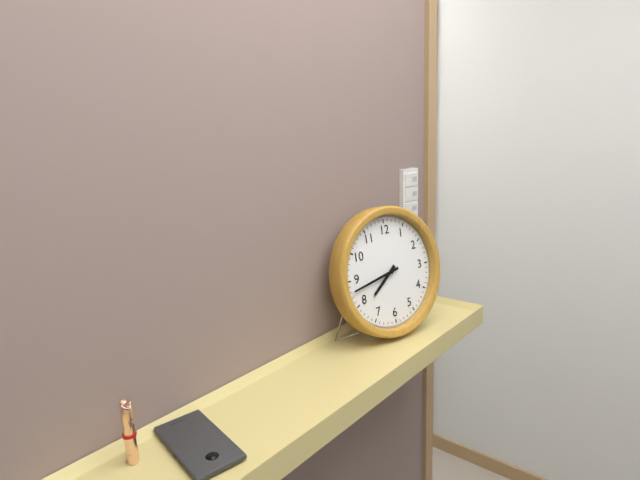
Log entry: 7:43
